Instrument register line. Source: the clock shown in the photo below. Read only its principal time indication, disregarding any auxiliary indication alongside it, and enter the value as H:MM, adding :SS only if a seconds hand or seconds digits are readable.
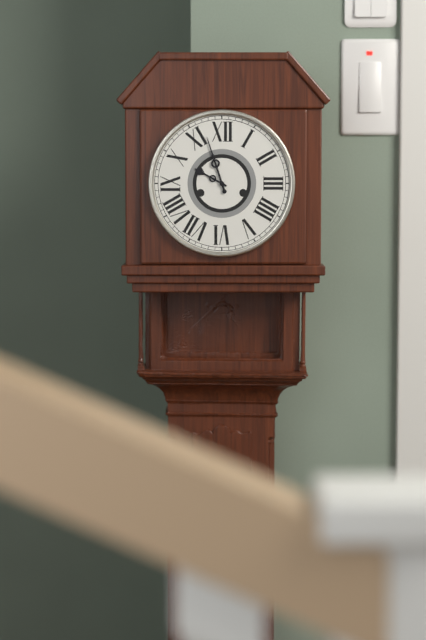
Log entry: 9:57
